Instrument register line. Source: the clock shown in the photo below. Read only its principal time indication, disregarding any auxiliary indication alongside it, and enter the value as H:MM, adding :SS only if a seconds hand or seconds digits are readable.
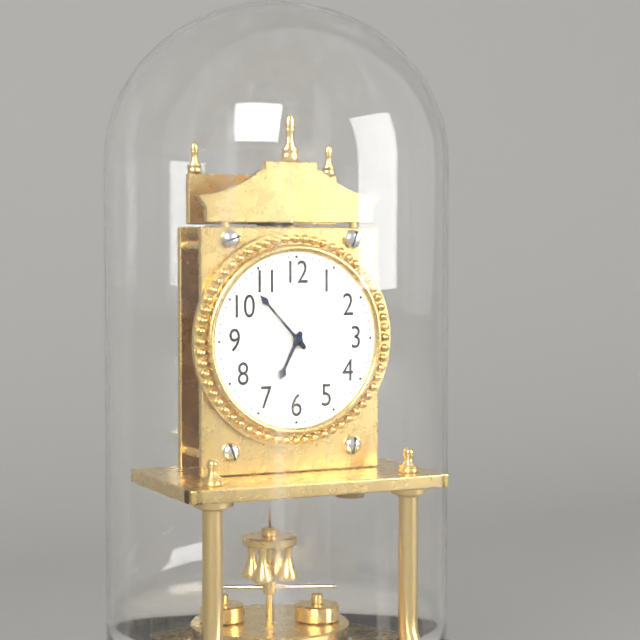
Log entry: 6:53
